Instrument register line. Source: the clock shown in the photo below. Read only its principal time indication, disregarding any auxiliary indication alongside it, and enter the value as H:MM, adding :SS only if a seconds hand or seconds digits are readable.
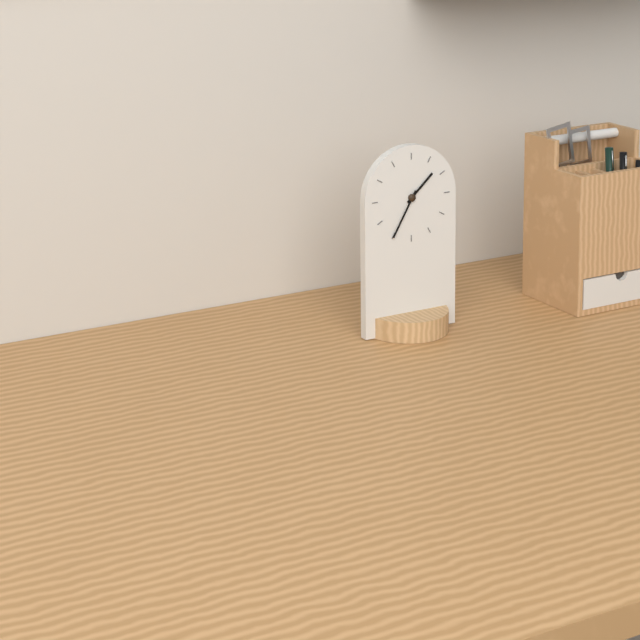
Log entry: 1:35
